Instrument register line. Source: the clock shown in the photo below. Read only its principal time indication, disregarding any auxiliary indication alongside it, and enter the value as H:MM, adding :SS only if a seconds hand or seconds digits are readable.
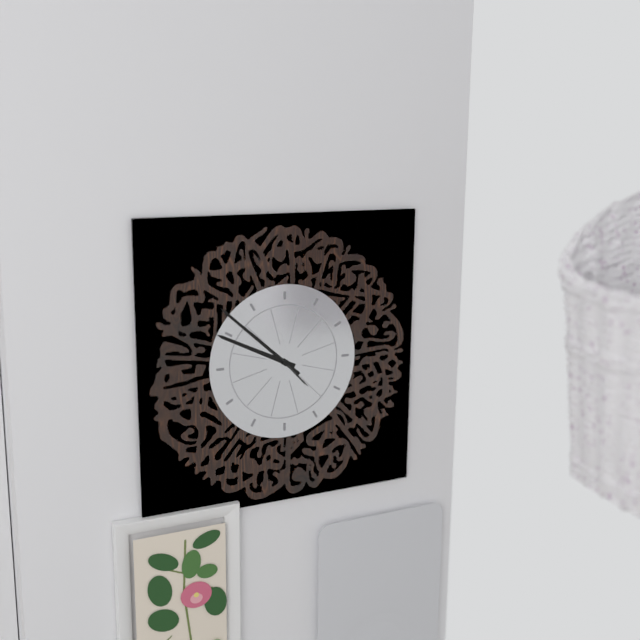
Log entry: 9:52
